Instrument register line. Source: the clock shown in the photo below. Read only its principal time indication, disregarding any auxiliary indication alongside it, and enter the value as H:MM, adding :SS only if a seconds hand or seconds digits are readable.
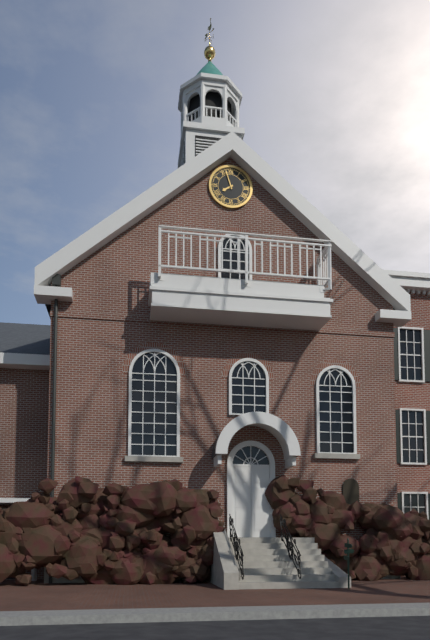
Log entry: 7:57
